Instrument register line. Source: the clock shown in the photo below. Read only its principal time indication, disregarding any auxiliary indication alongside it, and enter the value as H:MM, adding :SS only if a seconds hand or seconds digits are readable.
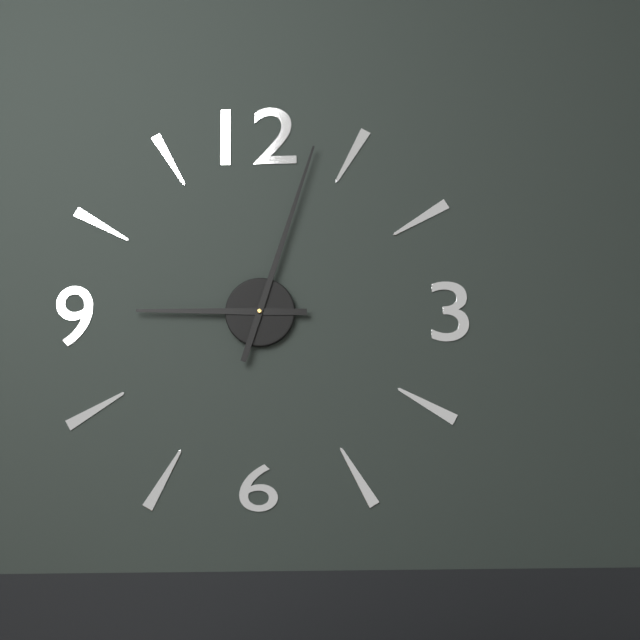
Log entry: 9:03
